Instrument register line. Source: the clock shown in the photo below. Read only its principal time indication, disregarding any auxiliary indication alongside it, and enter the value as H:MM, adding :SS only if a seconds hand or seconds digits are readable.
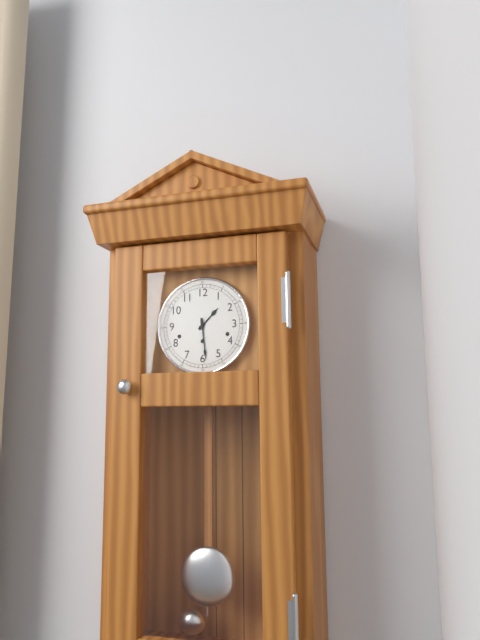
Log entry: 1:29
